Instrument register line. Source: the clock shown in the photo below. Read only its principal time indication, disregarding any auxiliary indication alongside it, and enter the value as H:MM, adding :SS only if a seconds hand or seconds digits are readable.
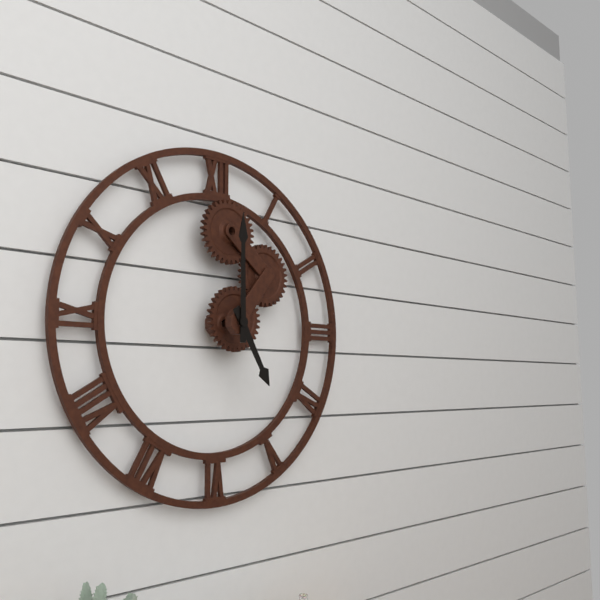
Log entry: 5:00
